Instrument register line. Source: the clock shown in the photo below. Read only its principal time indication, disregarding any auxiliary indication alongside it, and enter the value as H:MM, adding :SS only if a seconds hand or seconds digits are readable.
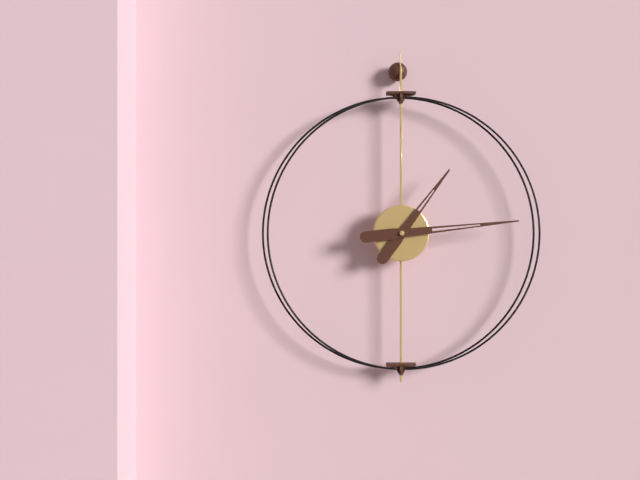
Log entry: 1:14
